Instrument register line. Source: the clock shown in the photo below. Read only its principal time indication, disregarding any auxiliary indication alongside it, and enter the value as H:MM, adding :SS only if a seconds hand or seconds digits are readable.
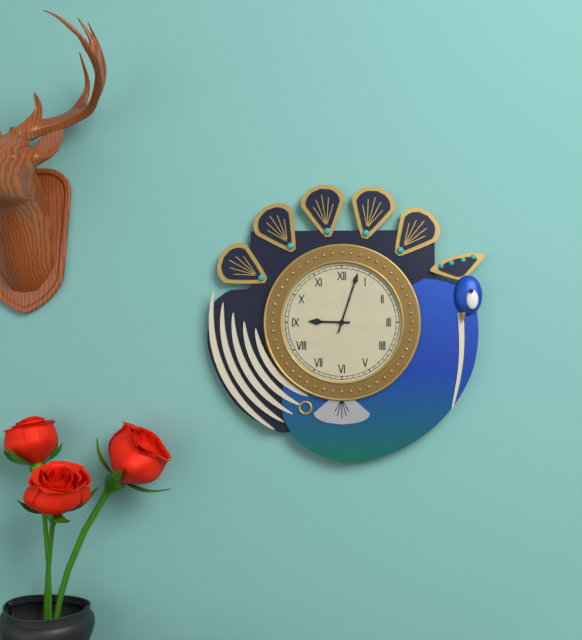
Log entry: 9:03
